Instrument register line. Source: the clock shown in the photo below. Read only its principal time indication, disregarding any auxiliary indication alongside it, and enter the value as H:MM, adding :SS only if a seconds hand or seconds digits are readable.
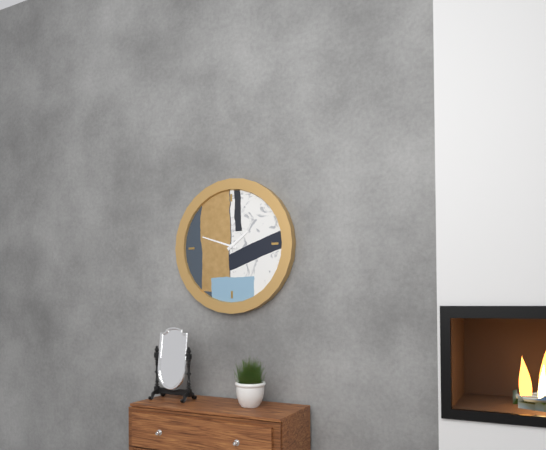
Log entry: 1:48
